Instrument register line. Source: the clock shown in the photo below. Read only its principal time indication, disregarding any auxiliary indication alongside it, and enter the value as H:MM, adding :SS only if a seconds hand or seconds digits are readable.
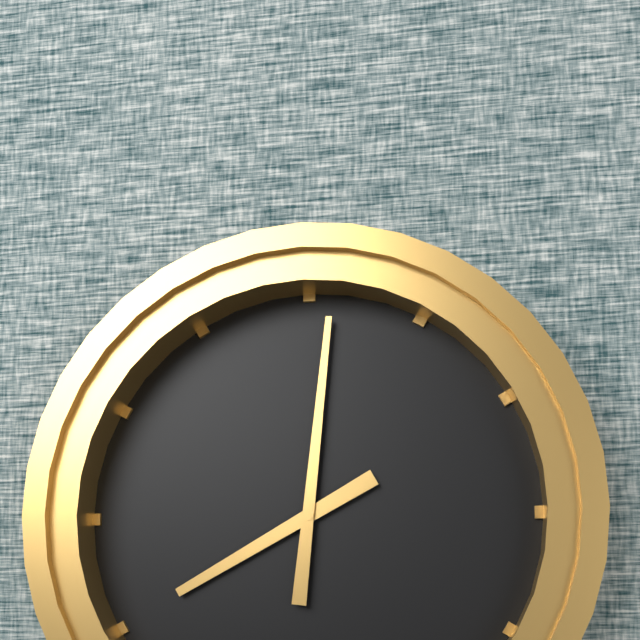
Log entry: 8:01
